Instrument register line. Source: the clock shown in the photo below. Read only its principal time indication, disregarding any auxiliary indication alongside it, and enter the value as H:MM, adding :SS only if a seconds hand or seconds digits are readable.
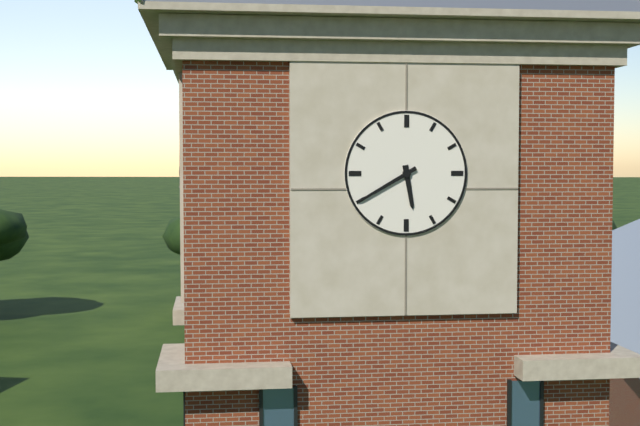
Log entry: 5:40
